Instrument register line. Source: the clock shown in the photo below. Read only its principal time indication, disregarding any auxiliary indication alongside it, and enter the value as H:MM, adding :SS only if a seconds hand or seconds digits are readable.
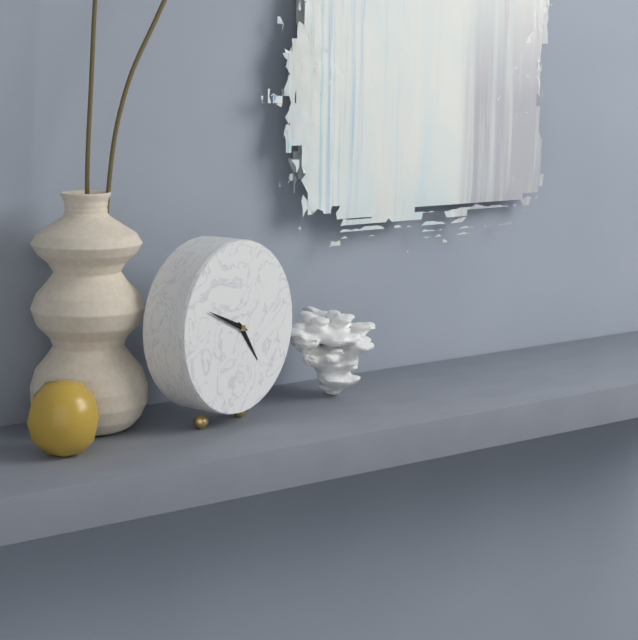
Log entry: 4:49
